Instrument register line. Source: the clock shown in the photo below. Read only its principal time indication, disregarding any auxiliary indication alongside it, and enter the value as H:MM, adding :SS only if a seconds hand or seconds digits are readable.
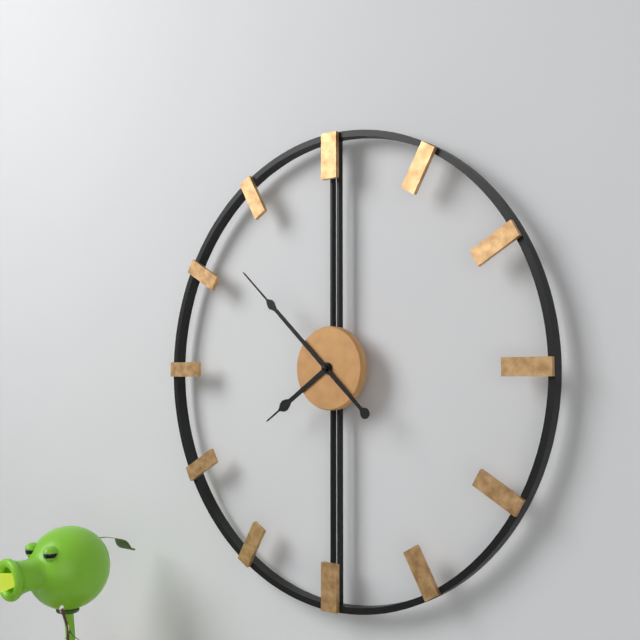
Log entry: 7:52
